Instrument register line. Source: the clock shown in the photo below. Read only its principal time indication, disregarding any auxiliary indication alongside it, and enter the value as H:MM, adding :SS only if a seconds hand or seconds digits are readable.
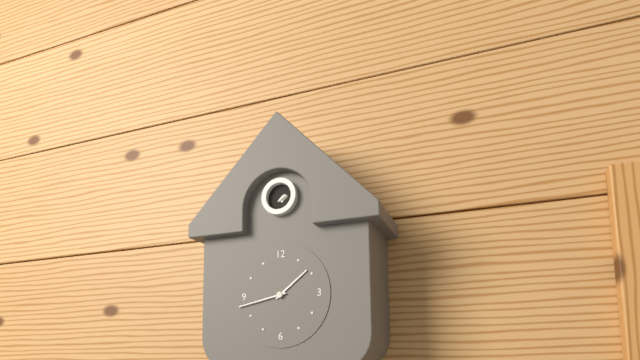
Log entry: 1:43
